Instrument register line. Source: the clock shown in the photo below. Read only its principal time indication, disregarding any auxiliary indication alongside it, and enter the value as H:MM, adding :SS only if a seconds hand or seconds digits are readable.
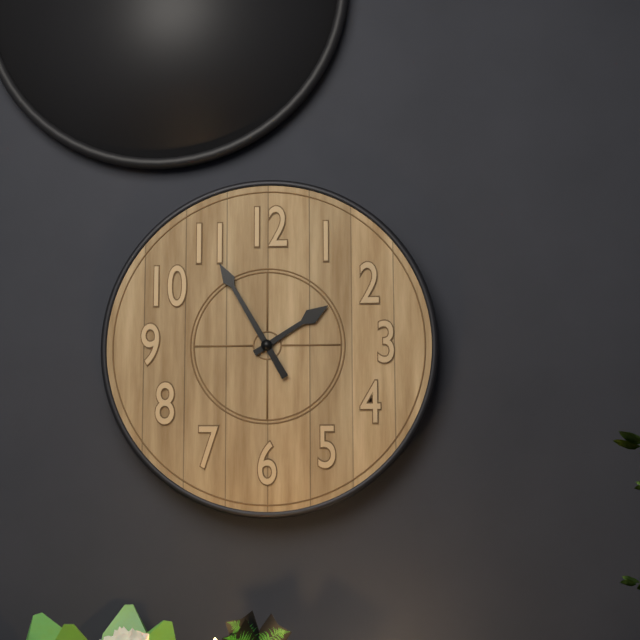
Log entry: 1:55
